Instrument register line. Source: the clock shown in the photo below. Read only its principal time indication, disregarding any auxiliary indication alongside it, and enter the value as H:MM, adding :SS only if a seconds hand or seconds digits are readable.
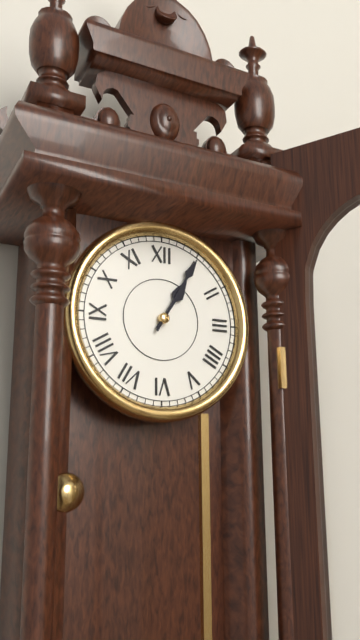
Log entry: 1:05
